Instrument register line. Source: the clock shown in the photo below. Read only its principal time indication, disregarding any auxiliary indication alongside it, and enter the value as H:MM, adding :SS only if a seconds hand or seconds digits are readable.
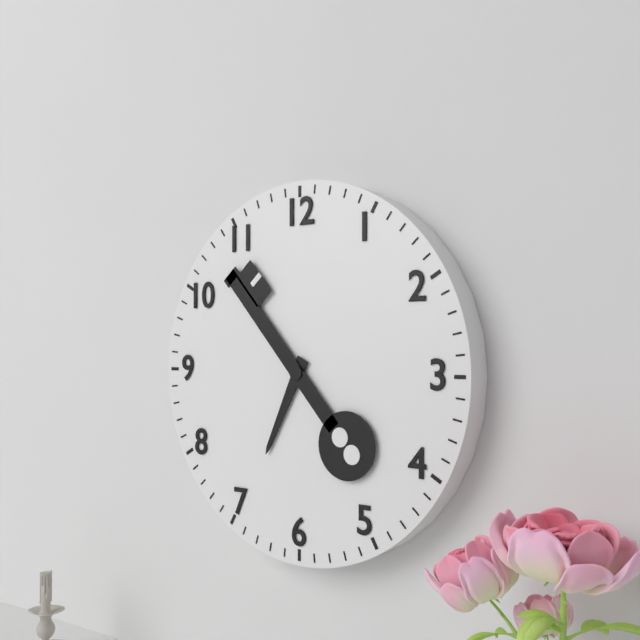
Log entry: 6:53
